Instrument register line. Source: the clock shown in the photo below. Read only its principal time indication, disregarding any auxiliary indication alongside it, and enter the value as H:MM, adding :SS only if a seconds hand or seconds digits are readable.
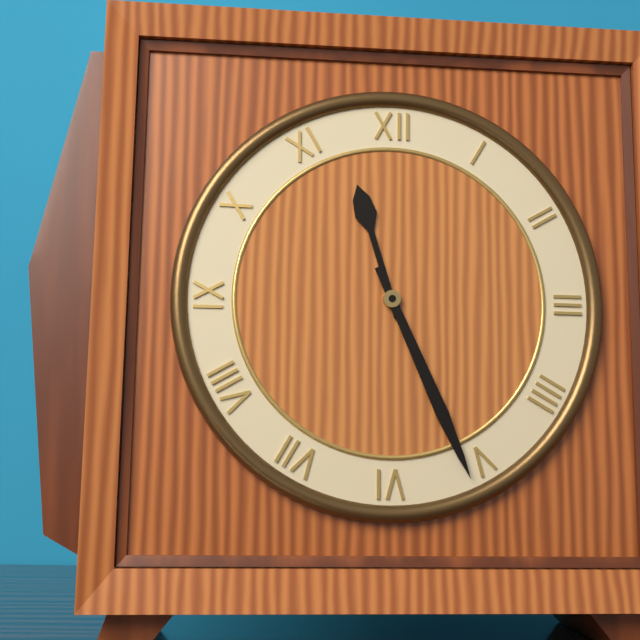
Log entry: 11:26
